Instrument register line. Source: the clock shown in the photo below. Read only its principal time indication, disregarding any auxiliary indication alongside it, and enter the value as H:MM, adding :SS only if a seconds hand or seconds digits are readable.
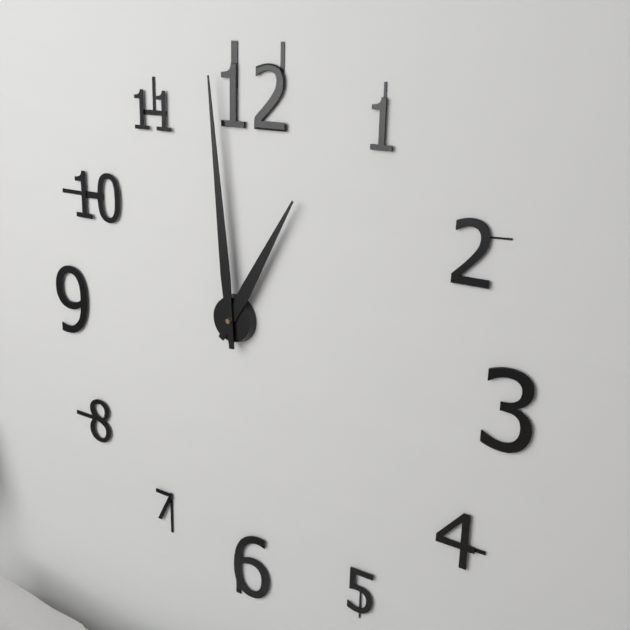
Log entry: 12:59
